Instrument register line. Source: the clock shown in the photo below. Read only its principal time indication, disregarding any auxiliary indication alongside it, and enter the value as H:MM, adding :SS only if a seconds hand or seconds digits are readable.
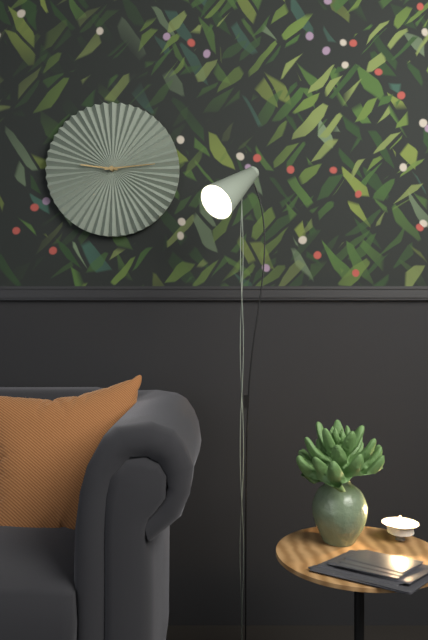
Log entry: 9:14
